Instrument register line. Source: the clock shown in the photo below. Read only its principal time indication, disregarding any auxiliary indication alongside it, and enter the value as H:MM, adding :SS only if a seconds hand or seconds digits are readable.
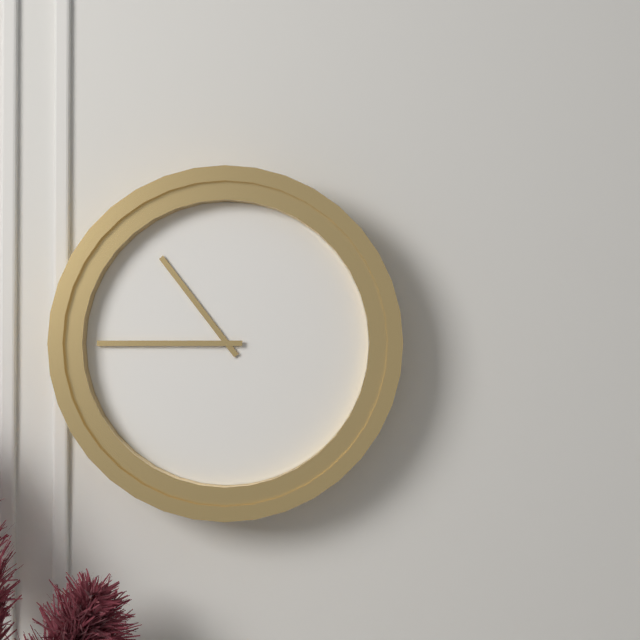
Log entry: 10:45
